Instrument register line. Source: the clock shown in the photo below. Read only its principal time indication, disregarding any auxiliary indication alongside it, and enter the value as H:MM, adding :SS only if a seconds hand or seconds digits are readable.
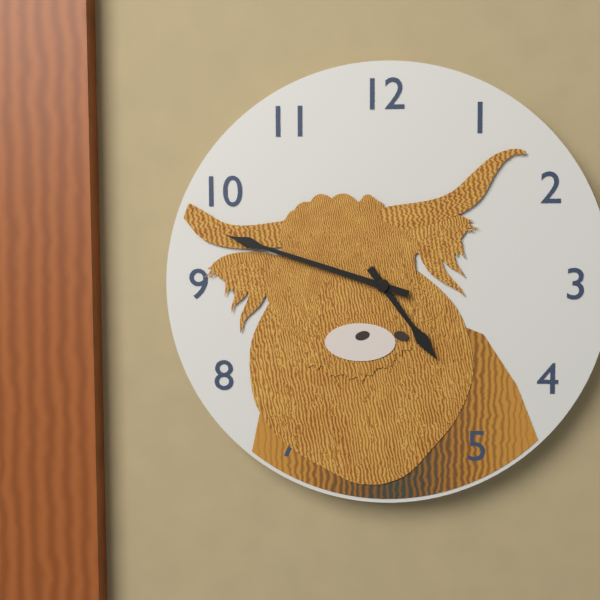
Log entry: 4:48
